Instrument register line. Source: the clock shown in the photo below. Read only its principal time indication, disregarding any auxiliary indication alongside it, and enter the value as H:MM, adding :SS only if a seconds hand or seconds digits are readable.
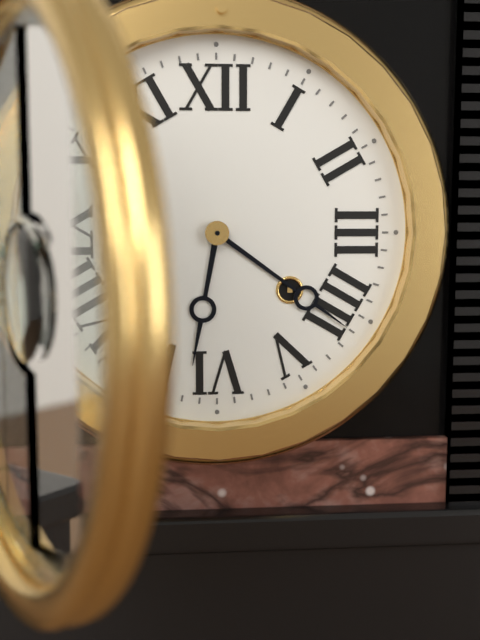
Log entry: 6:21
